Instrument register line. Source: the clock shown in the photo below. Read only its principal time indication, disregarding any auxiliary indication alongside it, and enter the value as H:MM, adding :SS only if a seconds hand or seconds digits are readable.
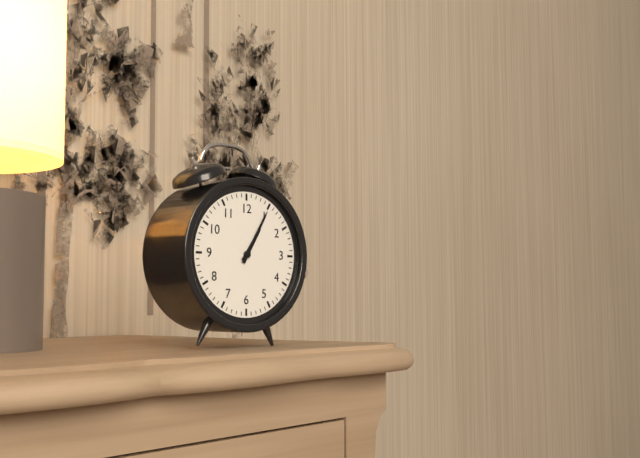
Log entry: 1:05
